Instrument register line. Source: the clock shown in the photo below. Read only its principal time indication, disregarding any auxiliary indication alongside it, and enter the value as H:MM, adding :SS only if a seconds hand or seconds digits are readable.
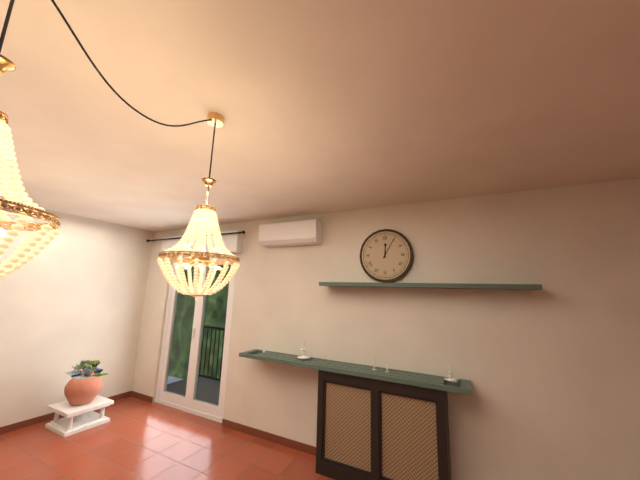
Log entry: 12:05
